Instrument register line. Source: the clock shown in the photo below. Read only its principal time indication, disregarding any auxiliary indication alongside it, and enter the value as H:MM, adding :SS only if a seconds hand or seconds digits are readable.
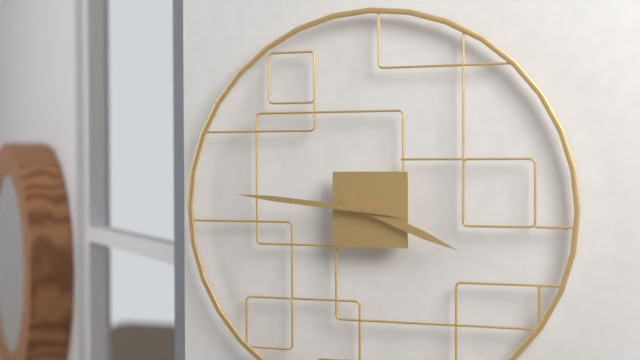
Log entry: 3:46
